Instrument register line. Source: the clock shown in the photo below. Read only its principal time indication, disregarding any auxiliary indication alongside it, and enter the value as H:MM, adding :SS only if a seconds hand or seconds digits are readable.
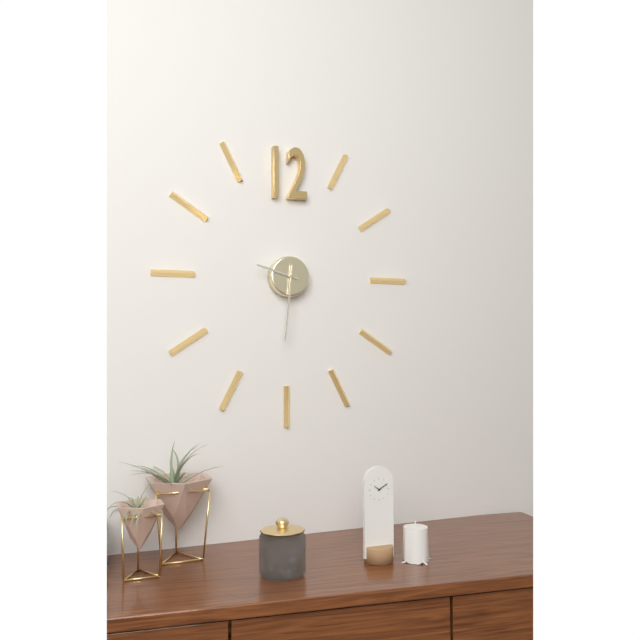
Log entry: 9:31
